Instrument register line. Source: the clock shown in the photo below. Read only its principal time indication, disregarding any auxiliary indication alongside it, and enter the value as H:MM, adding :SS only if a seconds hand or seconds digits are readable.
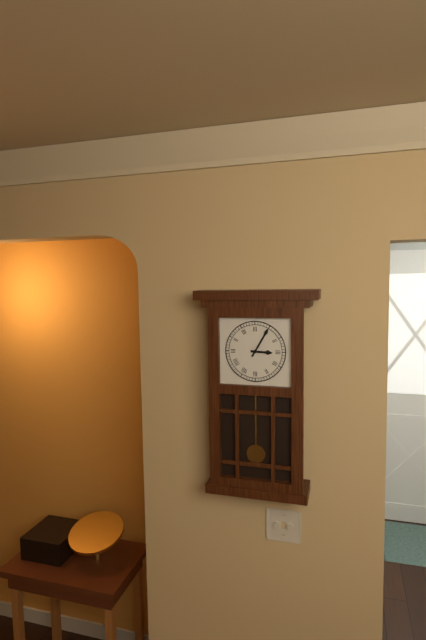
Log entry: 3:05
